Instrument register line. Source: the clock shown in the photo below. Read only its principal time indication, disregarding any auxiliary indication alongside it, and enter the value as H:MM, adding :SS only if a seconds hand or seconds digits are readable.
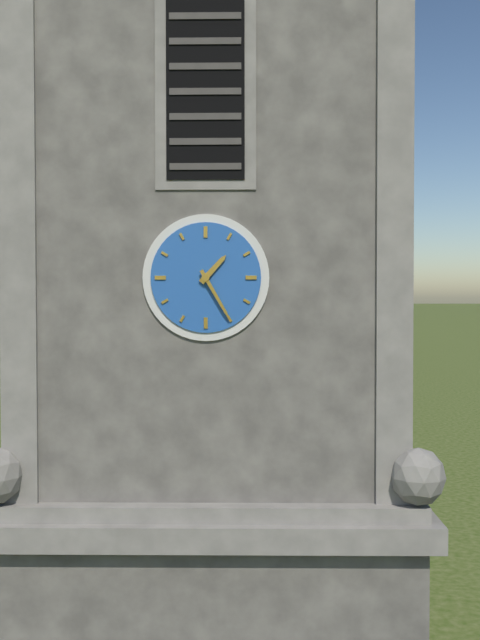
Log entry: 1:25
